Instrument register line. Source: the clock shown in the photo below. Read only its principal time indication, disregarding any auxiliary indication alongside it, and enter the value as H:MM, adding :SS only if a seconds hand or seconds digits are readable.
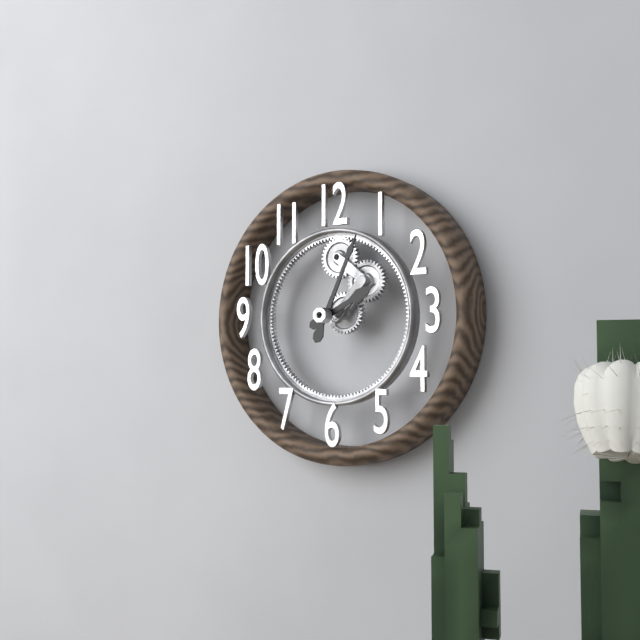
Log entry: 2:04
